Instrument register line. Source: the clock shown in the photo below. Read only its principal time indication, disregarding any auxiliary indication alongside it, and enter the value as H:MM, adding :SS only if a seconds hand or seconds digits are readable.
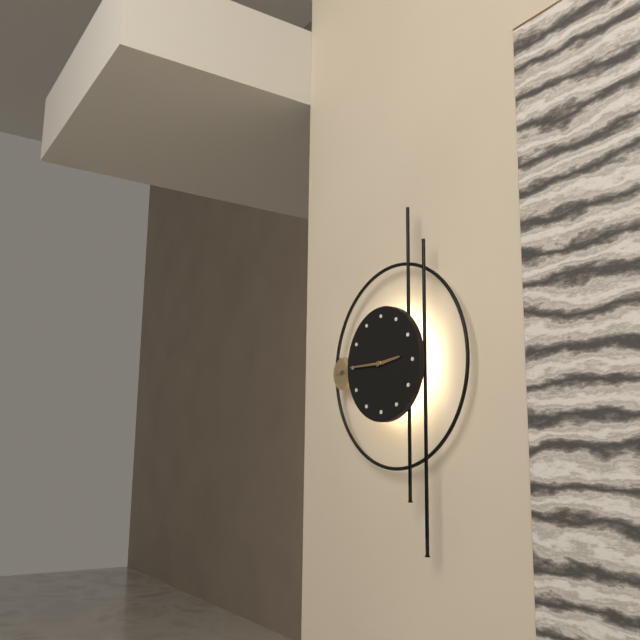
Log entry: 2:45
